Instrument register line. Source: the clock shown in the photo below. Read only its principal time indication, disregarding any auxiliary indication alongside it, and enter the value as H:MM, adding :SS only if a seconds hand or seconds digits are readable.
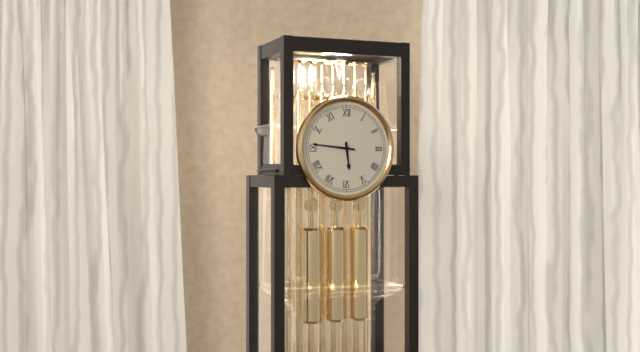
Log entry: 5:46
